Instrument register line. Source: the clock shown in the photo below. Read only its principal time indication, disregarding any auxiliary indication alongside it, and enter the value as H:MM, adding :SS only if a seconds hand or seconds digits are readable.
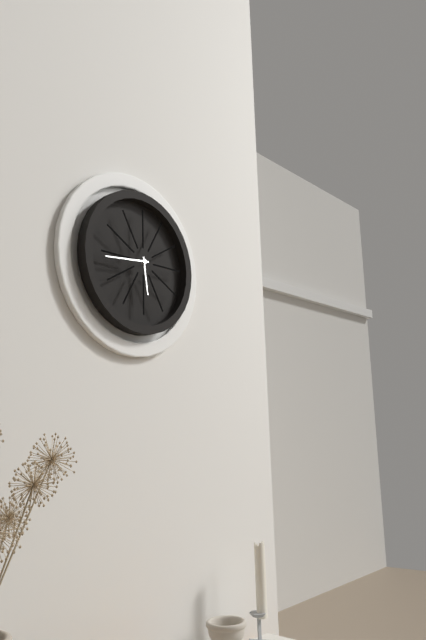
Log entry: 5:44
